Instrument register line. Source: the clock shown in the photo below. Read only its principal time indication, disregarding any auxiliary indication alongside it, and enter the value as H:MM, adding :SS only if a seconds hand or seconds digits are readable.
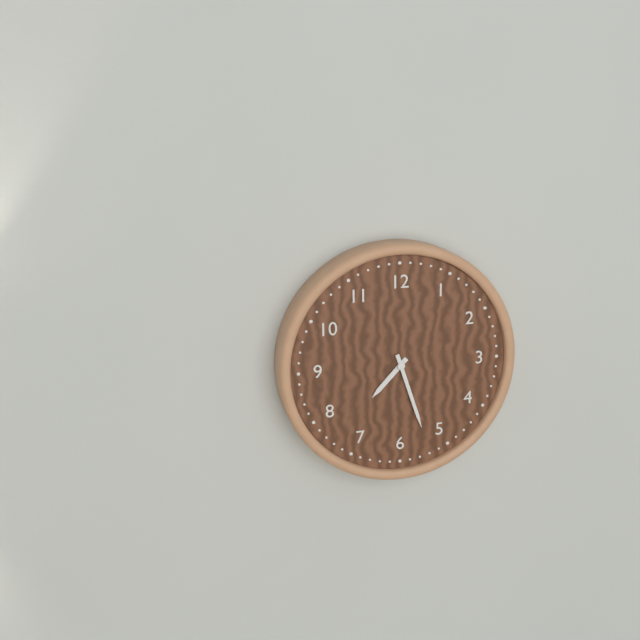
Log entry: 7:27
